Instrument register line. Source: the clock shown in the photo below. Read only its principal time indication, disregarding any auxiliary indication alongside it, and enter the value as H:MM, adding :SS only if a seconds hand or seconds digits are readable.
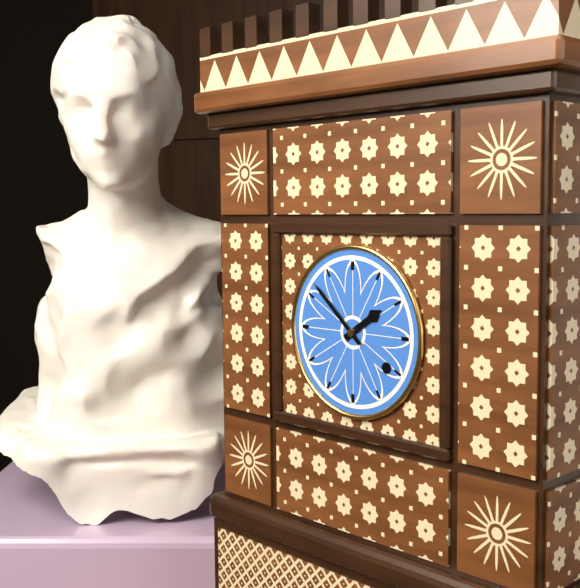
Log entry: 1:52
